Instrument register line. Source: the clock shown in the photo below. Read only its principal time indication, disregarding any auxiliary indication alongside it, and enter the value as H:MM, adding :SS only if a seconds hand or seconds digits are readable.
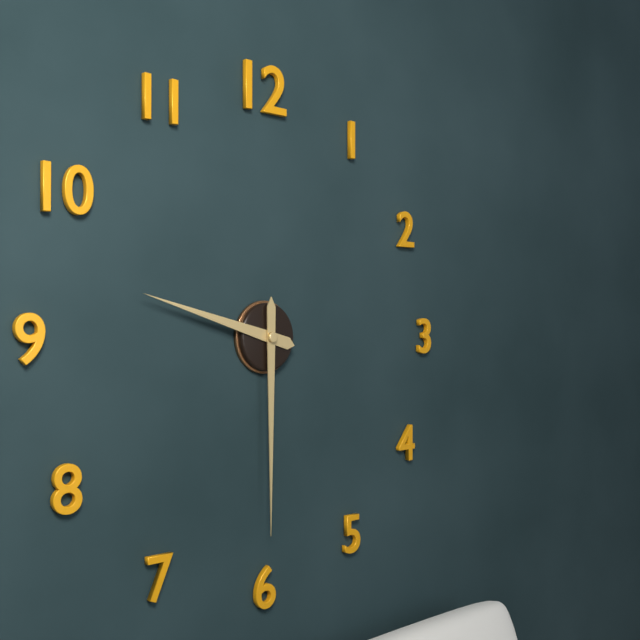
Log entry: 9:30
